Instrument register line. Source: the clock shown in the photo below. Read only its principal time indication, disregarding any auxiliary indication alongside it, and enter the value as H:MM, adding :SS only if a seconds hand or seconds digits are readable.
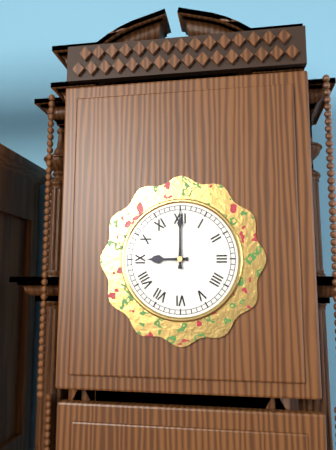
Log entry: 9:00
